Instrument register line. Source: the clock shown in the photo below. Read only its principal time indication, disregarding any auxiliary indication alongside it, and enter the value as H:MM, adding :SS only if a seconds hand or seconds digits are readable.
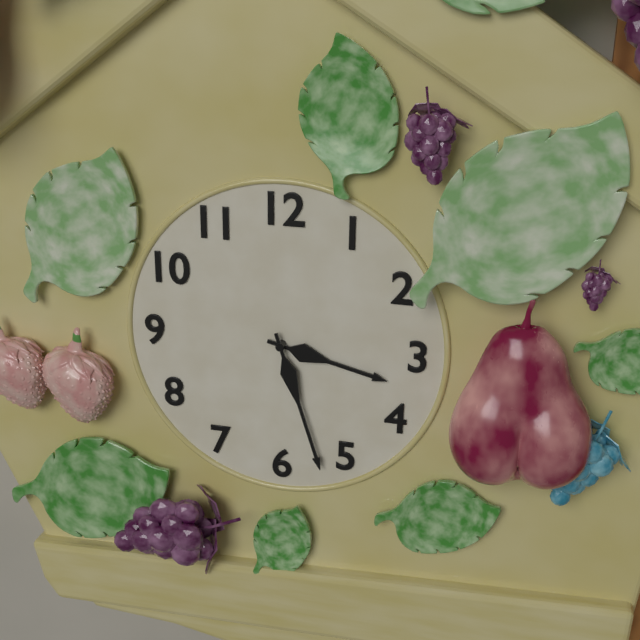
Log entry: 3:27
